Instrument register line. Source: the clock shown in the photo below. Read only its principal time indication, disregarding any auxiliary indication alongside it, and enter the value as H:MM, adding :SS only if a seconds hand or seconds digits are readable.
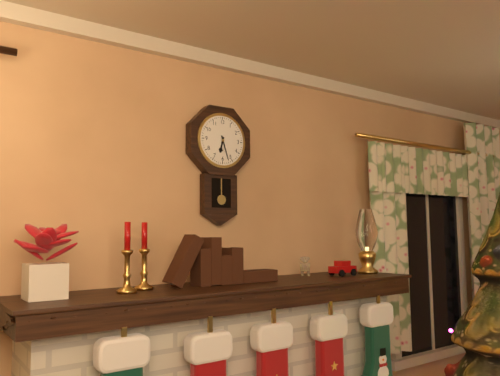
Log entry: 6:27
